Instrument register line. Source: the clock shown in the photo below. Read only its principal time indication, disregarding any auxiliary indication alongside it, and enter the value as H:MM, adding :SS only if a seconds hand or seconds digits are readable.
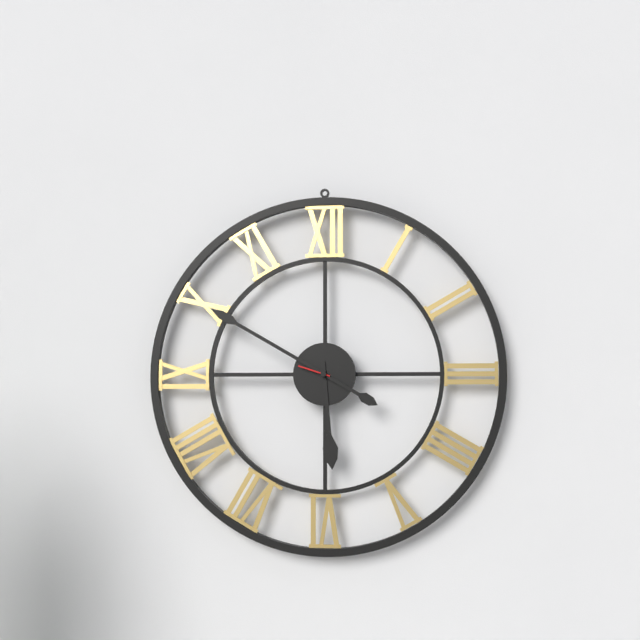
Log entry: 5:50
